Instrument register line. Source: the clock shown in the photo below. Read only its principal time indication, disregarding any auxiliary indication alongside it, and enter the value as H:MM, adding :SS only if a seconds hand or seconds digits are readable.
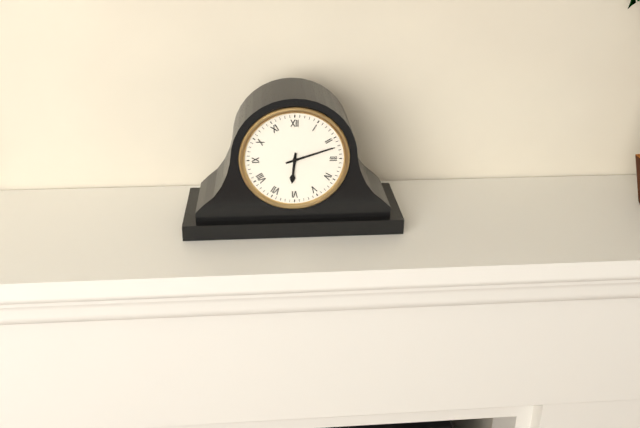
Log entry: 6:12
